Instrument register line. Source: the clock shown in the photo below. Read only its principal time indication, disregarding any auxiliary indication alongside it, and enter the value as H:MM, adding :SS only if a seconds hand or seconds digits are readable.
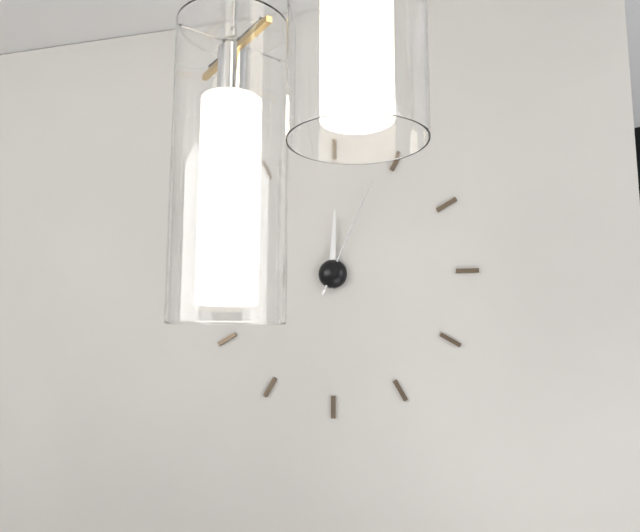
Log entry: 12:04
